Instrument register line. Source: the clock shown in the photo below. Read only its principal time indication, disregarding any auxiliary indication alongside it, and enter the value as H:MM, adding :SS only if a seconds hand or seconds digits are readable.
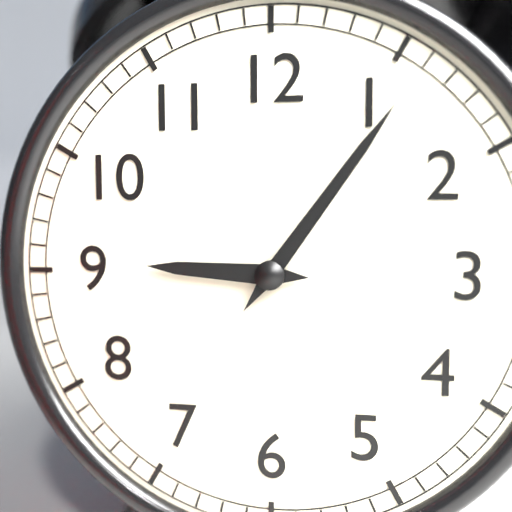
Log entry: 9:06
